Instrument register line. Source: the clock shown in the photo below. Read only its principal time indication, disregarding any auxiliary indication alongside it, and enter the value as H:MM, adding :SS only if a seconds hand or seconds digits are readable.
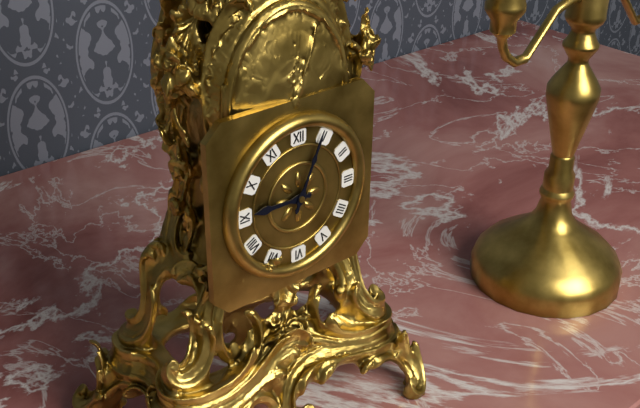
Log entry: 9:04
